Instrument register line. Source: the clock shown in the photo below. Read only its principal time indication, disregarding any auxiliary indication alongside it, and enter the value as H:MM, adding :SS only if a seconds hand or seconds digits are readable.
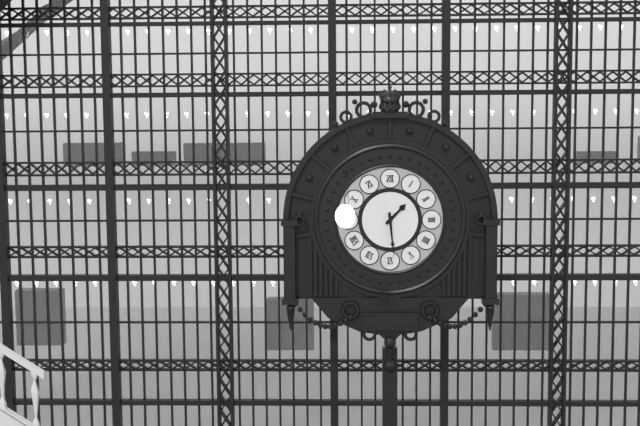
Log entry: 1:29
